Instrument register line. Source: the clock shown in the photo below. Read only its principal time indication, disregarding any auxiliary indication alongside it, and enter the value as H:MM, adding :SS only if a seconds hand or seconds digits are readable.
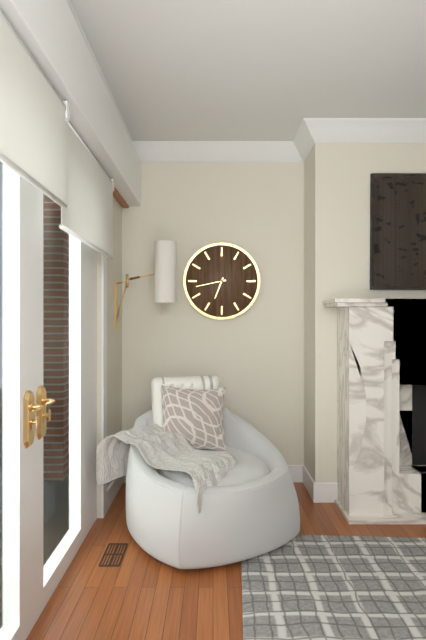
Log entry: 6:43
